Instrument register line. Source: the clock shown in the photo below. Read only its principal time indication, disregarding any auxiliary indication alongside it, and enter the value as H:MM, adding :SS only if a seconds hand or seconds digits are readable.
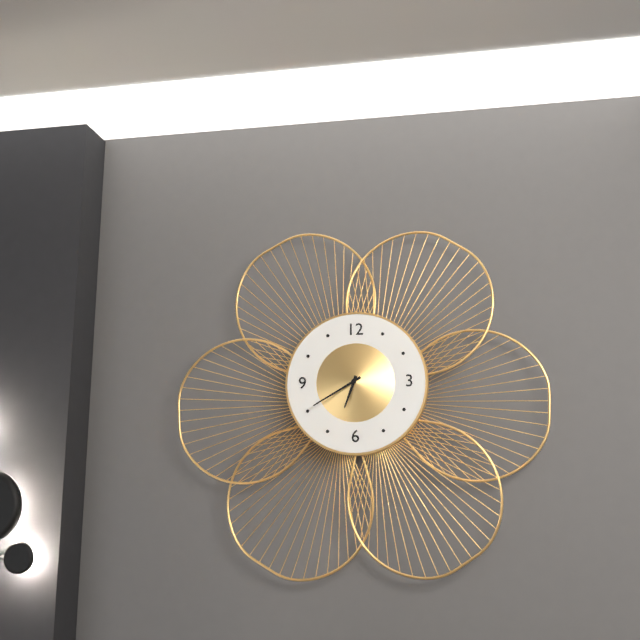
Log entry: 6:40
